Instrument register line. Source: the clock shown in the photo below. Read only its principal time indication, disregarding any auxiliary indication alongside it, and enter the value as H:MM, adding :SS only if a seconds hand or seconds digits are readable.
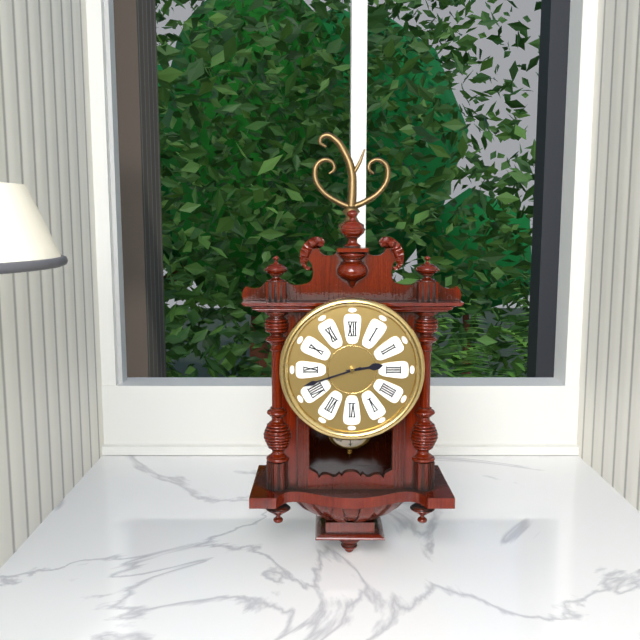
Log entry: 2:42
